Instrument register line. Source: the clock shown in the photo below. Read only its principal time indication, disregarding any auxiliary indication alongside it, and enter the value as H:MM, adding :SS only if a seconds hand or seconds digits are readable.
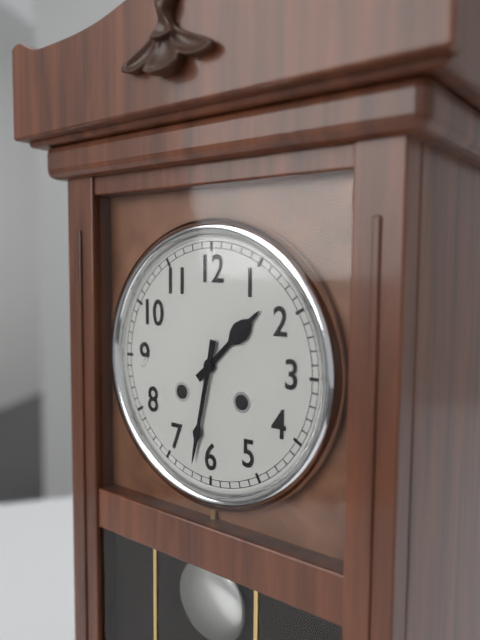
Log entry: 1:32
